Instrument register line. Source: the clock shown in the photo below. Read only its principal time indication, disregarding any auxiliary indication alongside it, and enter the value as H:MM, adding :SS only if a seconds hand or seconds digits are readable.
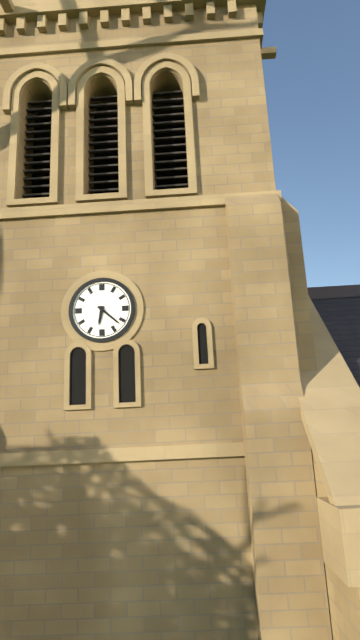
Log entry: 6:22
